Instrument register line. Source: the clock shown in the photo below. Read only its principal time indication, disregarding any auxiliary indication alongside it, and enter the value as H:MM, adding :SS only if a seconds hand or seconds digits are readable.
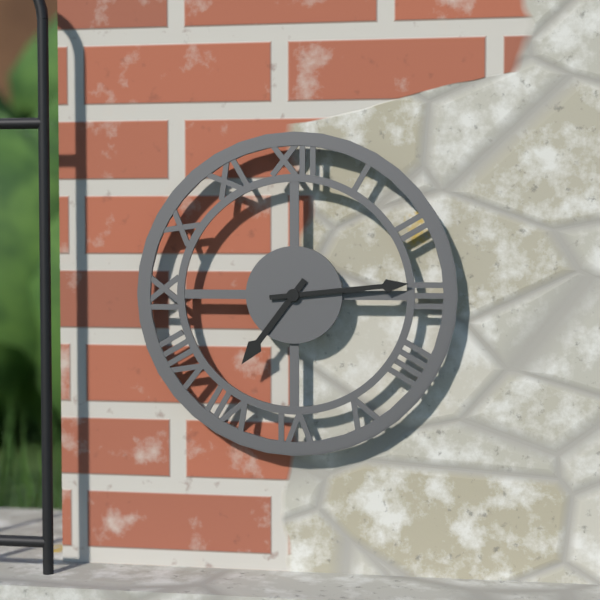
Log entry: 7:14
